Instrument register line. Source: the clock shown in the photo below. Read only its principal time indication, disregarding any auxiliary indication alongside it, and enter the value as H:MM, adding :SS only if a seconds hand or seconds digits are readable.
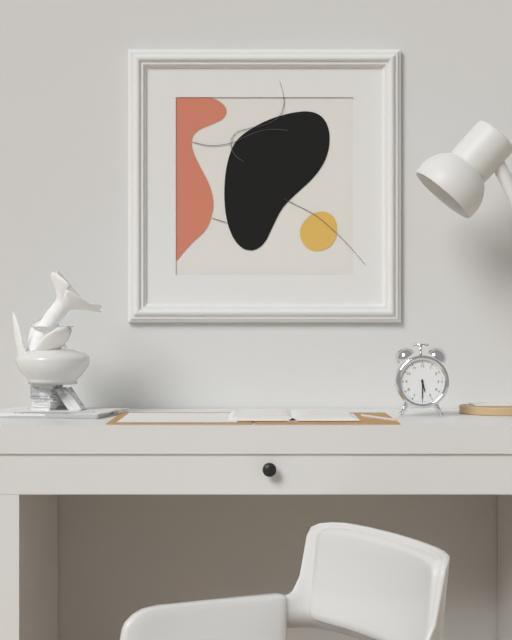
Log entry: 5:30
